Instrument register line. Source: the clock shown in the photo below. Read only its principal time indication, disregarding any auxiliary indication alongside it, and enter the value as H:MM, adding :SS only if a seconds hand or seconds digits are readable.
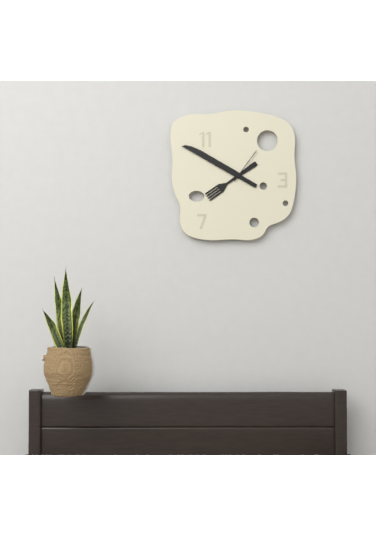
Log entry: 7:50
